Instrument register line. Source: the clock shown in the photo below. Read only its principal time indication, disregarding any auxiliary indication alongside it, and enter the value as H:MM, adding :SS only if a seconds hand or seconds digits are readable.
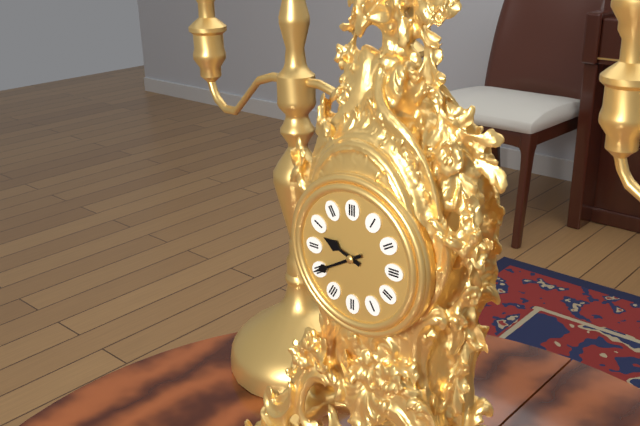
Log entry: 9:40
